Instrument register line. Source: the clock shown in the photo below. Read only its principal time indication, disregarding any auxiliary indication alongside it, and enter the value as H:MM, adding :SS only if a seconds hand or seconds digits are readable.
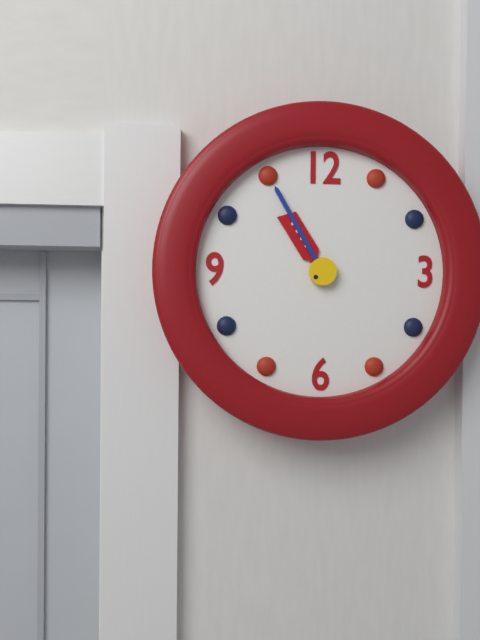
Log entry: 10:55
